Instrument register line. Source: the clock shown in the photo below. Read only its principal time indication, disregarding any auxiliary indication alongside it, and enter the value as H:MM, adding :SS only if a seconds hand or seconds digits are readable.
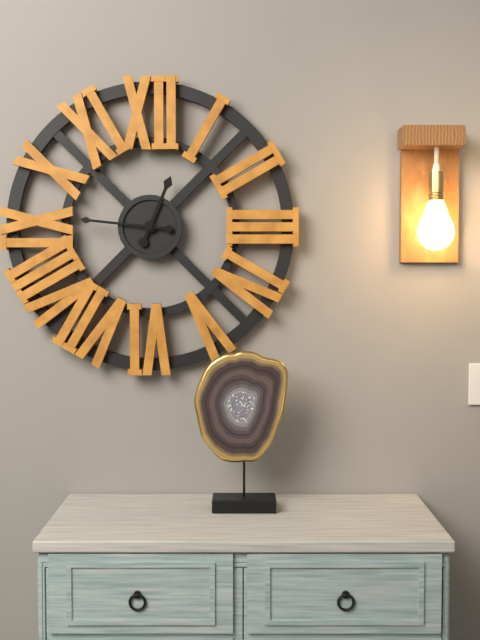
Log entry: 12:46
